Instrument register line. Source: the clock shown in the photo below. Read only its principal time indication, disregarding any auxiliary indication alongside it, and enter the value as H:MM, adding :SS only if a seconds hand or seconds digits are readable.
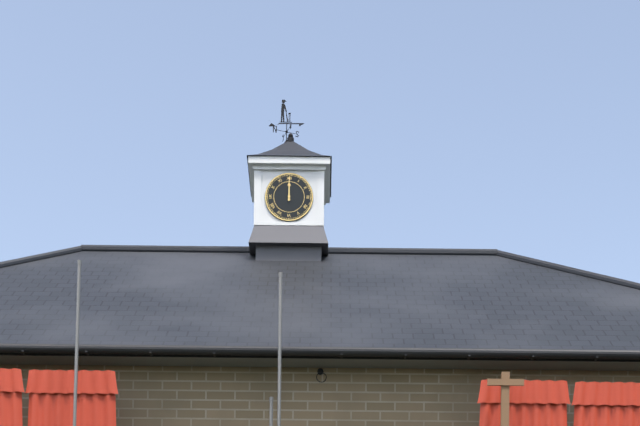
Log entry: 12:00
